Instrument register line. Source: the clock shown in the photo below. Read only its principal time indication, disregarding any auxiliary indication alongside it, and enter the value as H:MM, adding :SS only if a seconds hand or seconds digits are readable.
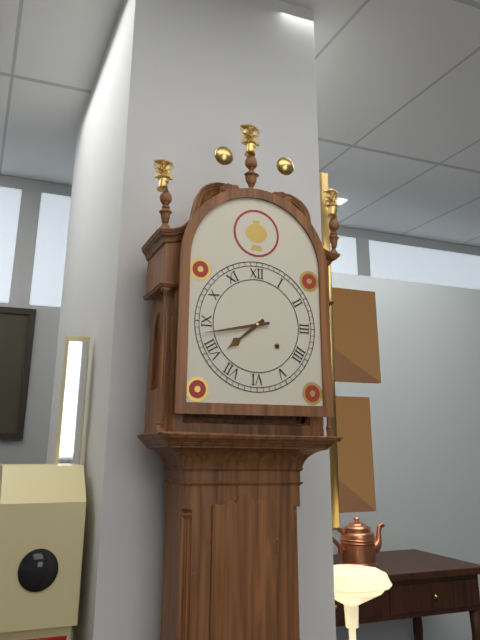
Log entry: 7:43
